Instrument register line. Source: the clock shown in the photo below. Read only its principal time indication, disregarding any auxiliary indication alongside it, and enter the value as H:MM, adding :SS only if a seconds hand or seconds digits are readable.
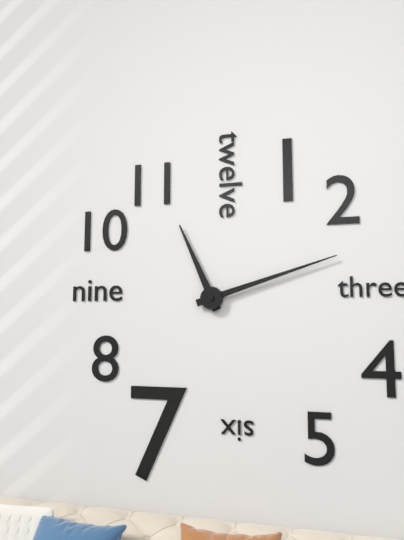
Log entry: 11:12
